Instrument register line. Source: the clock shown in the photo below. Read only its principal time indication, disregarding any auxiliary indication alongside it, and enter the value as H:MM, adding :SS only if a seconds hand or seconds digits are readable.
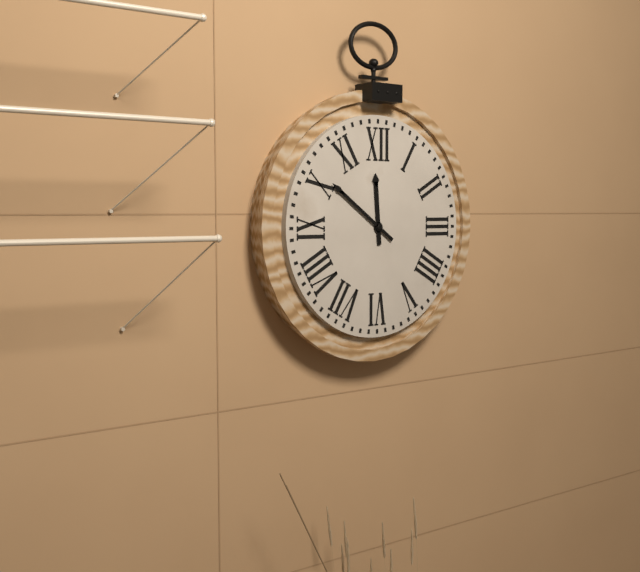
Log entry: 11:51
